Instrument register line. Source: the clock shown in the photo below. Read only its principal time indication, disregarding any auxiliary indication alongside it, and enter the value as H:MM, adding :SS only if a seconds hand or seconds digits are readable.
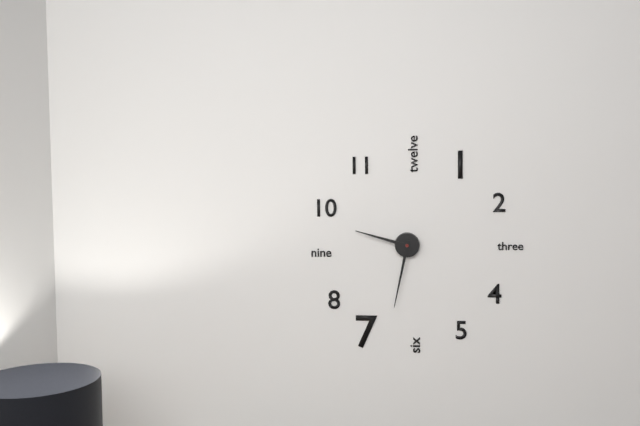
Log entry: 9:32
